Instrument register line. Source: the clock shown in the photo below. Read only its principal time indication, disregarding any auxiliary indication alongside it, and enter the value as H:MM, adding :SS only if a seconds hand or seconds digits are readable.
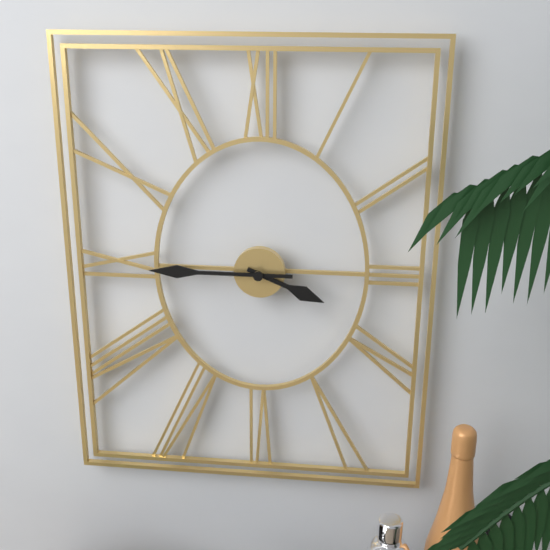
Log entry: 3:45
